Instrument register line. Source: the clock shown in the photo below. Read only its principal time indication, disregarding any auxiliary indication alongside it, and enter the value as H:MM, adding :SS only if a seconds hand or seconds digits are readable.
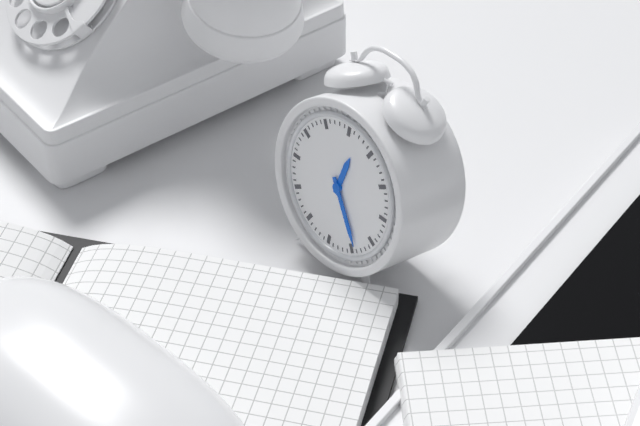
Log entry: 12:24
